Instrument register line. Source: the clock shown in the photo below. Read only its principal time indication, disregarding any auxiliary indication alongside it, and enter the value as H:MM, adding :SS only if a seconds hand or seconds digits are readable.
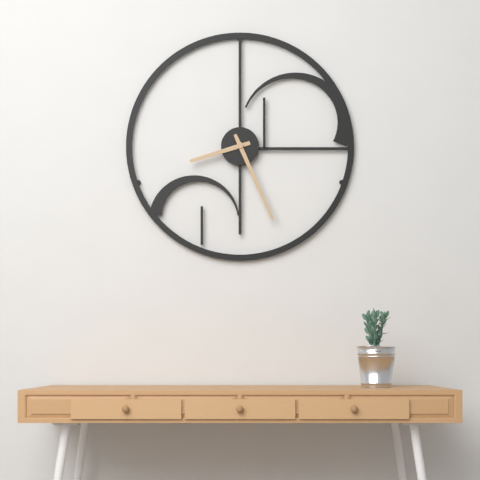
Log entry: 8:26
